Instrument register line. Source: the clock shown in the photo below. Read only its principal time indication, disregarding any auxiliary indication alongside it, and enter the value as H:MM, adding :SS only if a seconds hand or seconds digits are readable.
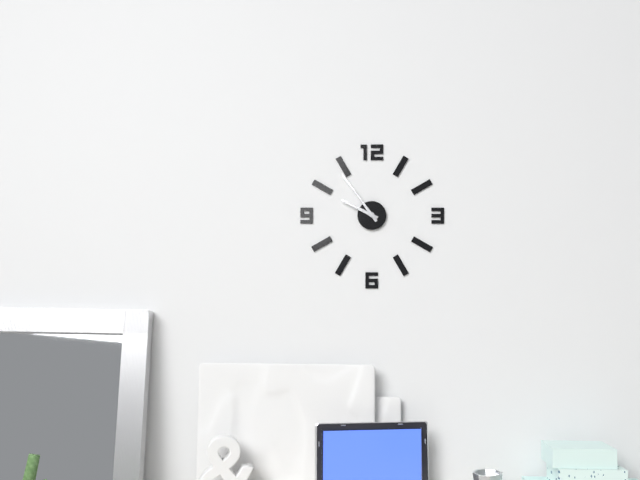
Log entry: 9:54
